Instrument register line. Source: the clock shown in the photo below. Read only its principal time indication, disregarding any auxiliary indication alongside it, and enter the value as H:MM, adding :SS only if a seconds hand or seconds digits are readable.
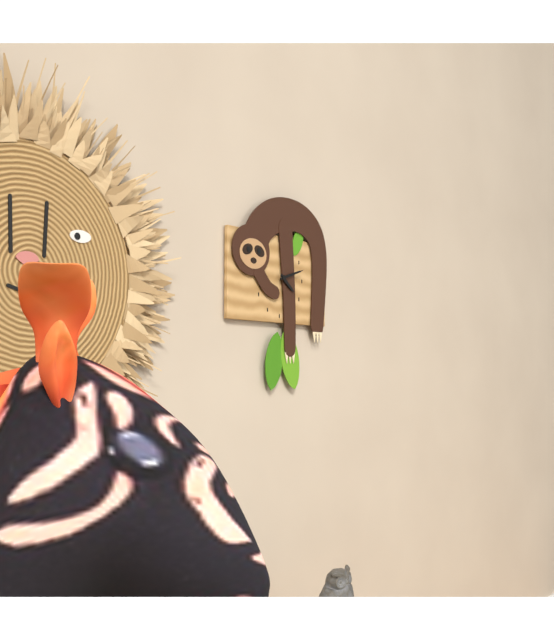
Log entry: 4:12
